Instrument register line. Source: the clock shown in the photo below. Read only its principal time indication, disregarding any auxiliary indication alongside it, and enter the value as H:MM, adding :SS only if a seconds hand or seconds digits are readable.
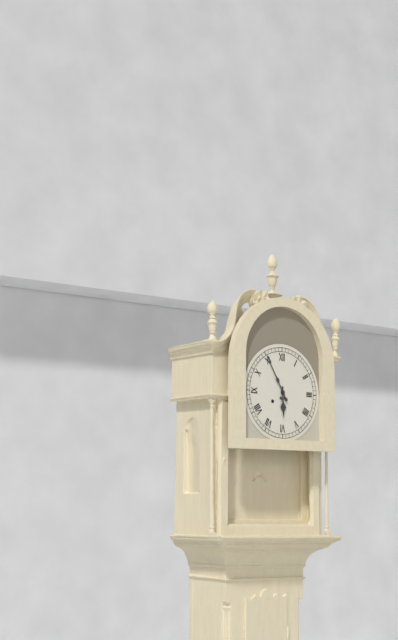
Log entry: 5:55
